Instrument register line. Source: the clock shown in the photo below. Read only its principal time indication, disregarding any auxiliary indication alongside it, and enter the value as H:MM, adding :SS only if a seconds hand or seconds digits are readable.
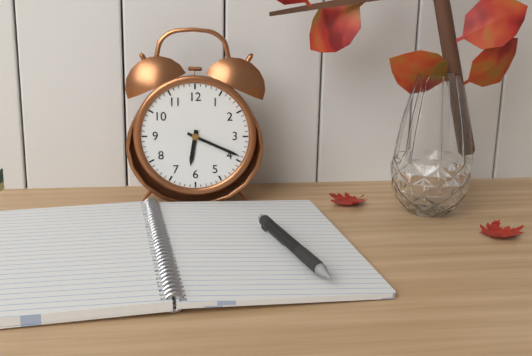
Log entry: 6:19
